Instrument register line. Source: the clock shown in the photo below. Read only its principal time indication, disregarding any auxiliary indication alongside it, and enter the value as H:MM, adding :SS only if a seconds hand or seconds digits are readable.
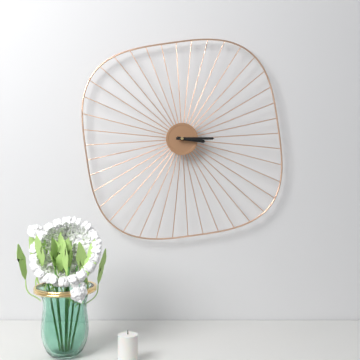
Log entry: 3:15
